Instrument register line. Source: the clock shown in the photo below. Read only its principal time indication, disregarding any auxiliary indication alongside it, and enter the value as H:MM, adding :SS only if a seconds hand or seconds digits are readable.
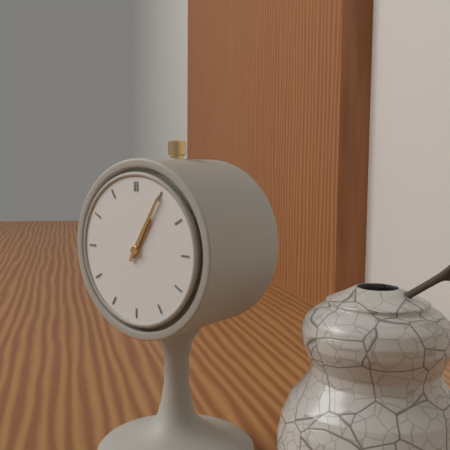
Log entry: 1:05
